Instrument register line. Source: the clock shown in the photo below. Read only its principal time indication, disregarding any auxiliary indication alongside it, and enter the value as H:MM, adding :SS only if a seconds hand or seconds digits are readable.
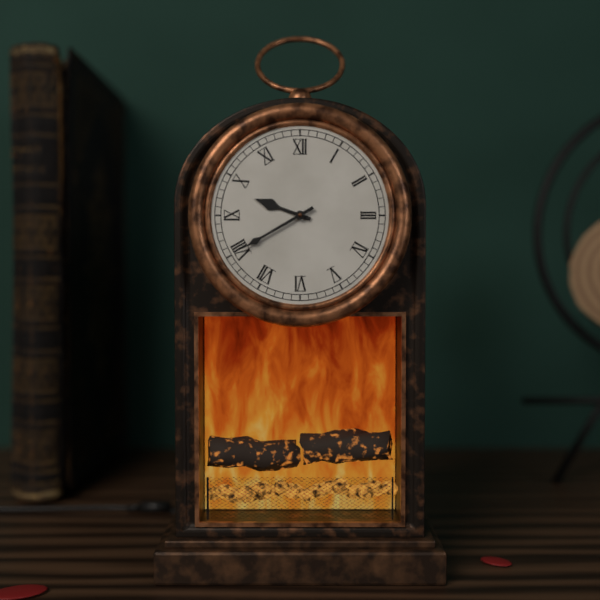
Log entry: 9:40
